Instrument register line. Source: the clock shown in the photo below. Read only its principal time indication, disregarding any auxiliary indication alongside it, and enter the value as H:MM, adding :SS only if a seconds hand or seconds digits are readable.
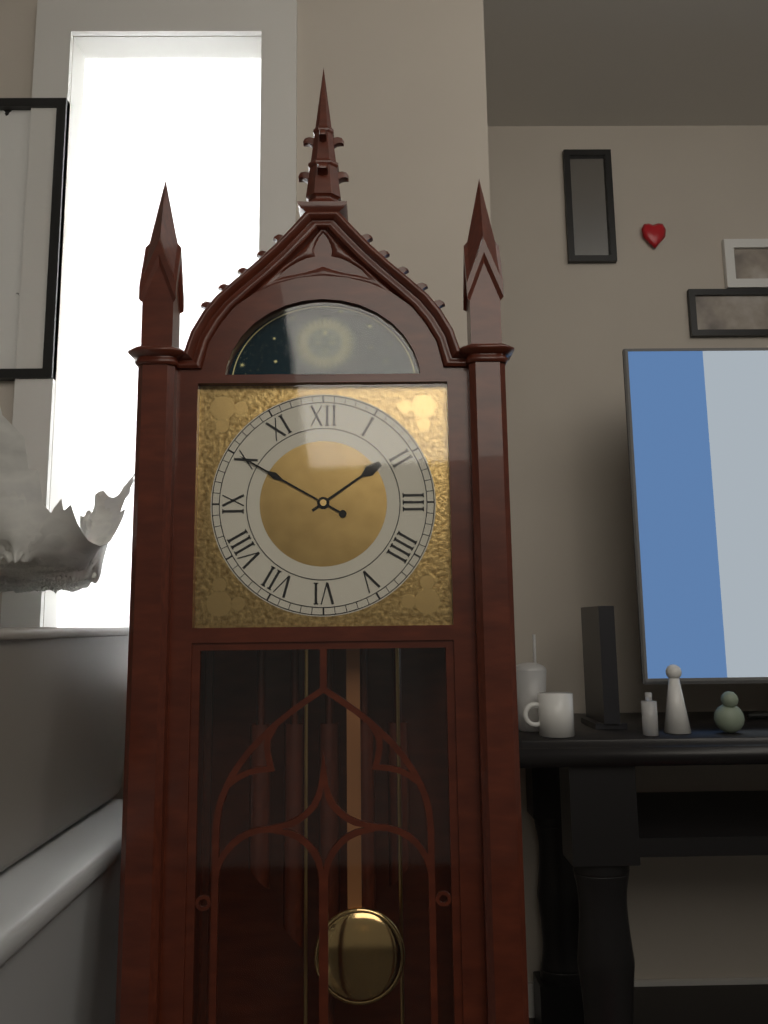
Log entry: 1:50
